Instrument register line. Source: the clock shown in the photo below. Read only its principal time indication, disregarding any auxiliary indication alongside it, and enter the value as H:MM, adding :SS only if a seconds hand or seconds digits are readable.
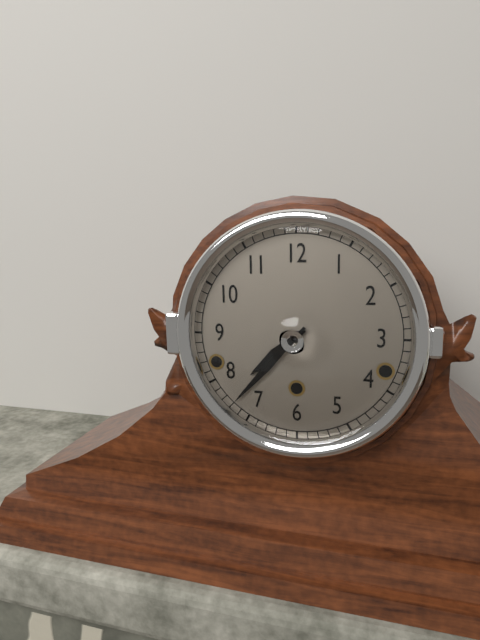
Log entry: 7:37
